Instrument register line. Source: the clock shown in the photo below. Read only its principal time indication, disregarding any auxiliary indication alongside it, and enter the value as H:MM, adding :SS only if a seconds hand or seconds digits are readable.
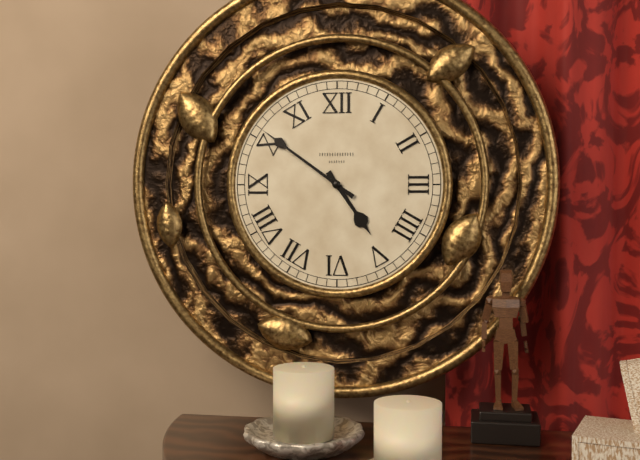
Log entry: 4:51
